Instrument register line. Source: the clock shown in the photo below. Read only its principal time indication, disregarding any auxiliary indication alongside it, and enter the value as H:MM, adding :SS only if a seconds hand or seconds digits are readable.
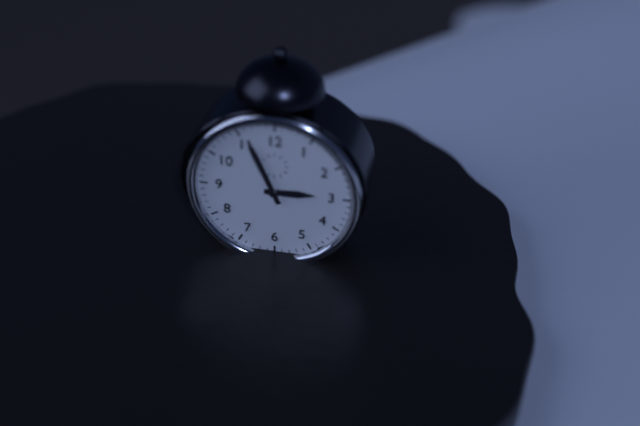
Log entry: 2:56
